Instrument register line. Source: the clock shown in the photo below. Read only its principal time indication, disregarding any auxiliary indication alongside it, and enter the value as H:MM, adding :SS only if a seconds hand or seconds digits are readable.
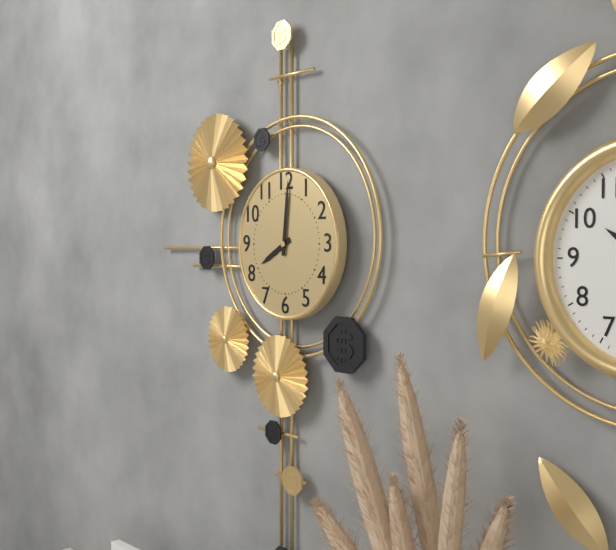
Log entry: 8:01
